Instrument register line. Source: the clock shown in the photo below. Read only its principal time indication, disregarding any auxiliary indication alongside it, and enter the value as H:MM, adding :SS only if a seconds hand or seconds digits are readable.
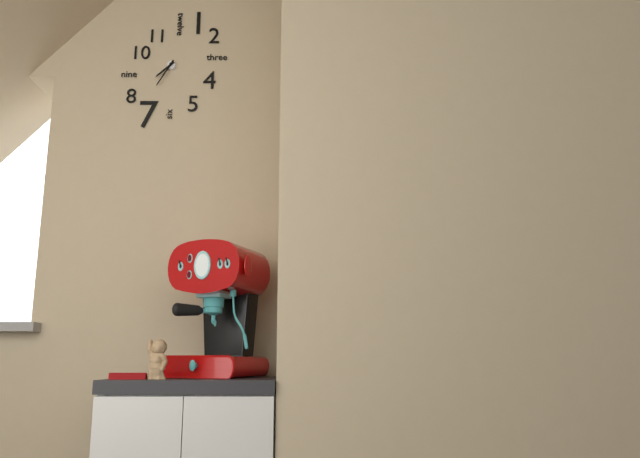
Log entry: 7:35
